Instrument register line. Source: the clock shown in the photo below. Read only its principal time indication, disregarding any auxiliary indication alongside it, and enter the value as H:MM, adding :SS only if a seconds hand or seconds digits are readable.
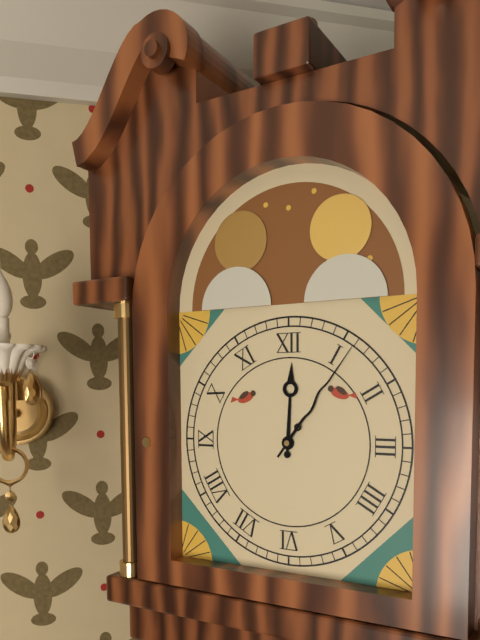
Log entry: 12:06
